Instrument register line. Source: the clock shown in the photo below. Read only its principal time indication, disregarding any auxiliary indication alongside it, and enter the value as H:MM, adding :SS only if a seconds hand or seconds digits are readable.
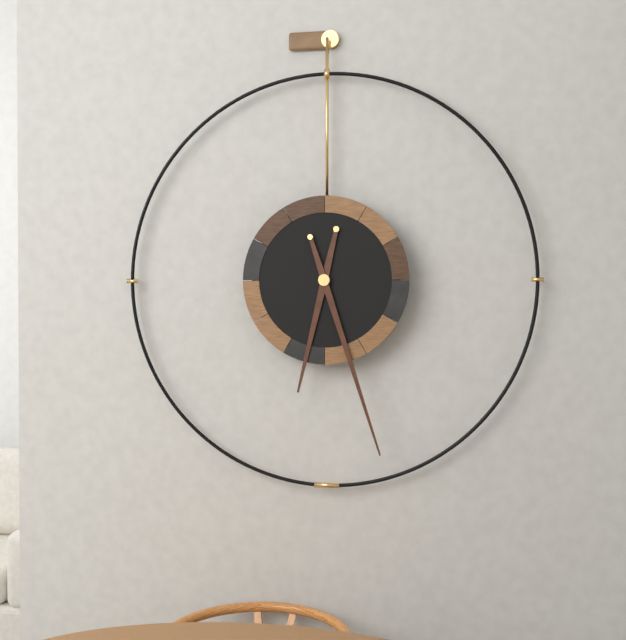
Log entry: 6:27
